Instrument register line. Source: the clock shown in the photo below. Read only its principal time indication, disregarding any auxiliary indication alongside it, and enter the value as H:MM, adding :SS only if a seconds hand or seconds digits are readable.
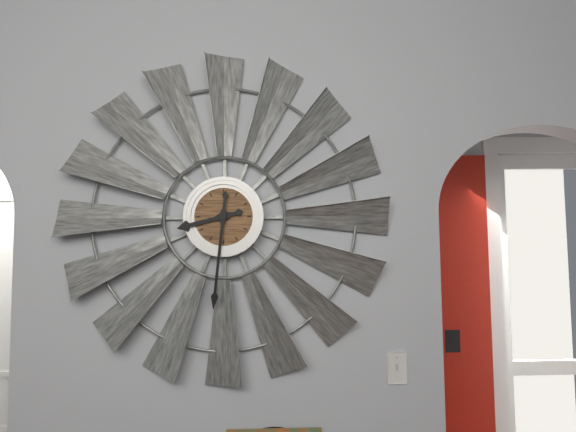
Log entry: 8:31
